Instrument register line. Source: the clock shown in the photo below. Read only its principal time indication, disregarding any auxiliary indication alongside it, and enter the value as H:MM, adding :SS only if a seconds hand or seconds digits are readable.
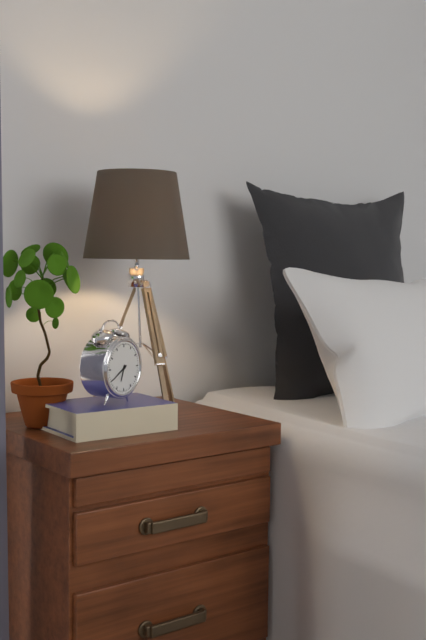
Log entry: 6:40
